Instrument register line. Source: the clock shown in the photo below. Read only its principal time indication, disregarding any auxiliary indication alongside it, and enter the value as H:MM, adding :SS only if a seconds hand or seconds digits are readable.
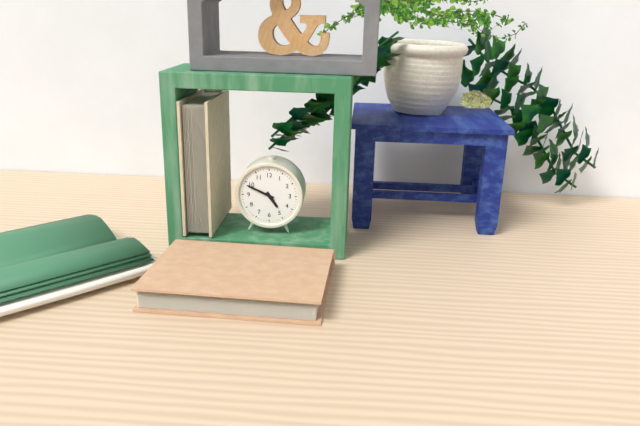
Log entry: 4:49
